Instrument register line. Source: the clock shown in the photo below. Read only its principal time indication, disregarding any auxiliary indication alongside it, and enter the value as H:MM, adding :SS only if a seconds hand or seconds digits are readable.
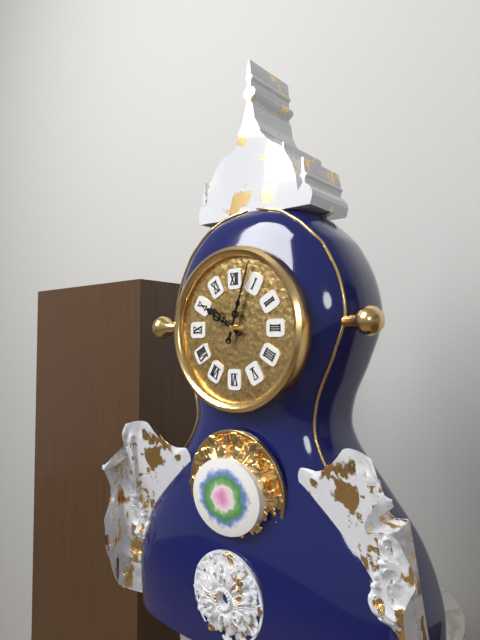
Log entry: 10:03
